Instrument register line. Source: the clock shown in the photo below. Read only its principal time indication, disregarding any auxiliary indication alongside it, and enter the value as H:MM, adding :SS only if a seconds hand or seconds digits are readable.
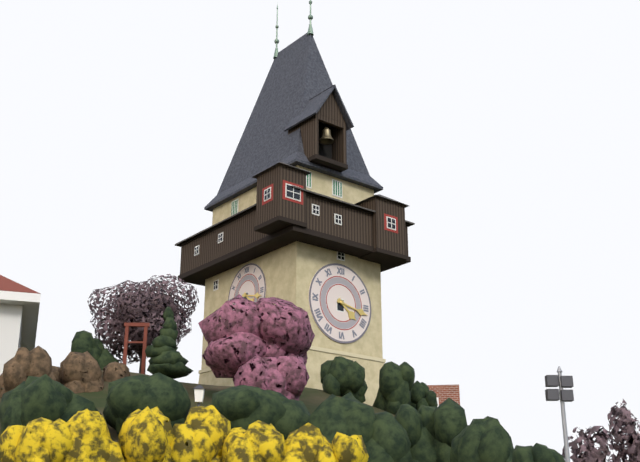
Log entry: 4:17
